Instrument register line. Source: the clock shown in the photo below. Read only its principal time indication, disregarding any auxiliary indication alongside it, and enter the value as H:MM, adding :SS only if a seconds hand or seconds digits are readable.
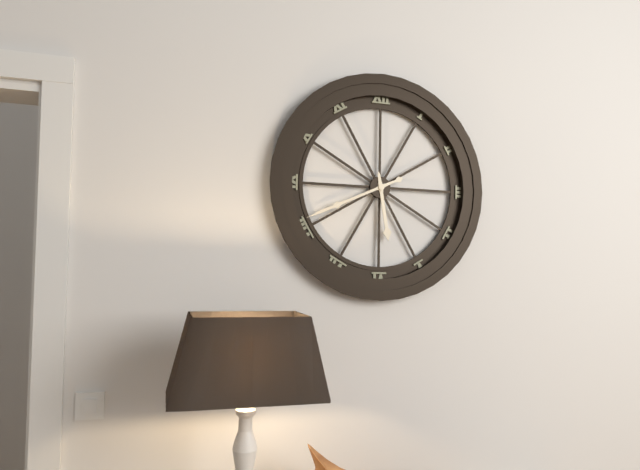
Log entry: 5:41
